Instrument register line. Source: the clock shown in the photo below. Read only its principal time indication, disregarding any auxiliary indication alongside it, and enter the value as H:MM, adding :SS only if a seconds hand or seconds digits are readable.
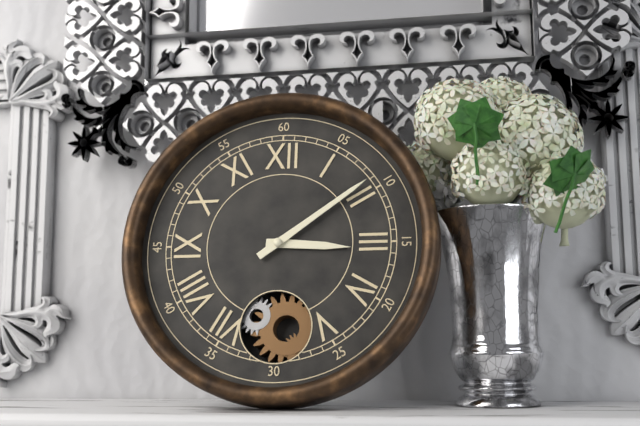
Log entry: 3:09
